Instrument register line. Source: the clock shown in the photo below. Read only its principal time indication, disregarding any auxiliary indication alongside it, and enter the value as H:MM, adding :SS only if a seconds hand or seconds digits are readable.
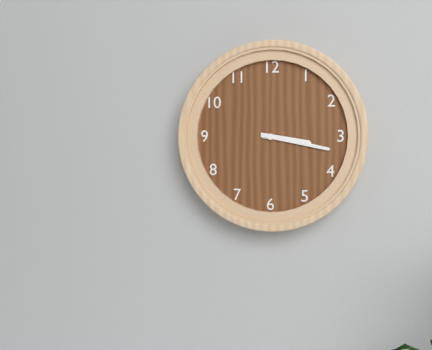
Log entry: 3:17
